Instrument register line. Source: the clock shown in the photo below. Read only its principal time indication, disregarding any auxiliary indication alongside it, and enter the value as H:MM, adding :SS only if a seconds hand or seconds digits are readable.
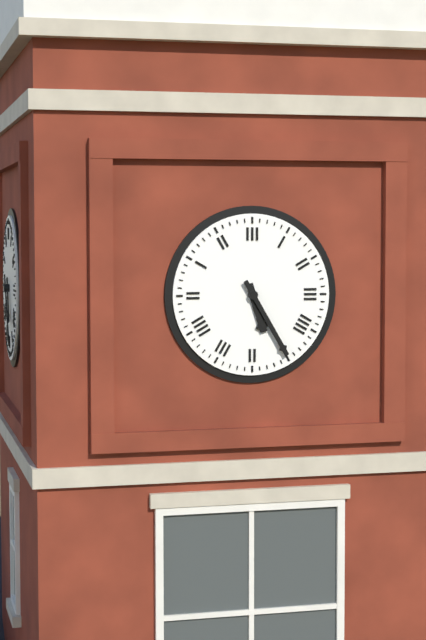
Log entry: 5:25
